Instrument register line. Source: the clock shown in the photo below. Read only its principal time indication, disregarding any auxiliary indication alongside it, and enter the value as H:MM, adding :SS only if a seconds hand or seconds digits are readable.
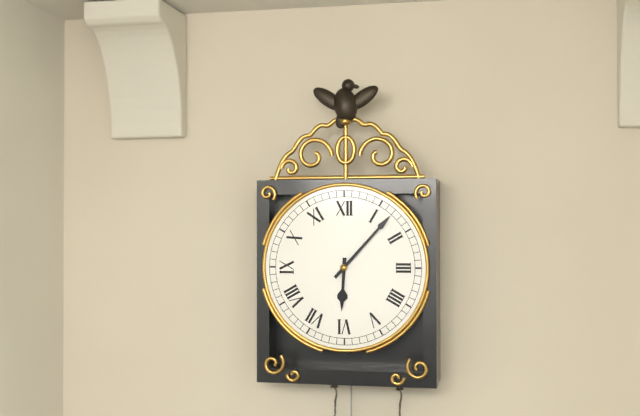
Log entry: 6:07
